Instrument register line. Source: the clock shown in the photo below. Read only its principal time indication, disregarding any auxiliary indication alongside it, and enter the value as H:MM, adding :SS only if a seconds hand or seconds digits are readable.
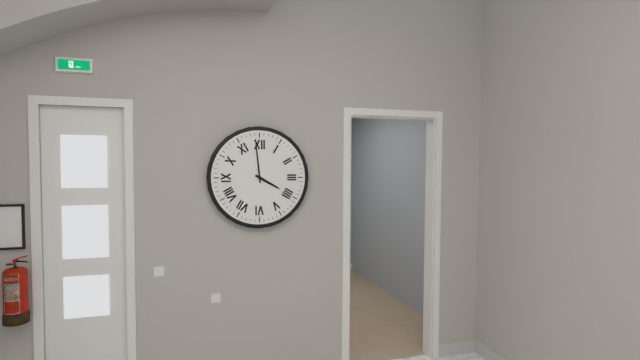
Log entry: 3:59
